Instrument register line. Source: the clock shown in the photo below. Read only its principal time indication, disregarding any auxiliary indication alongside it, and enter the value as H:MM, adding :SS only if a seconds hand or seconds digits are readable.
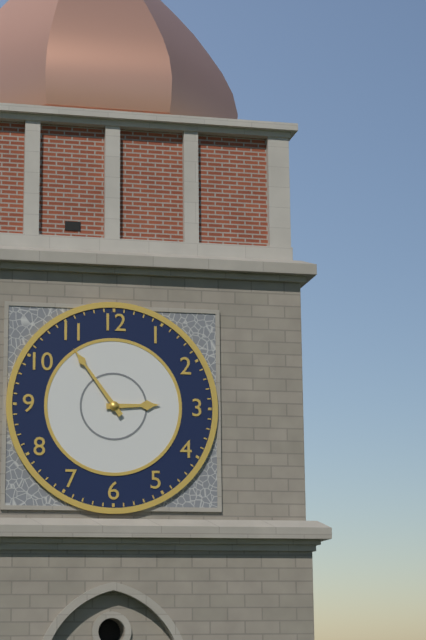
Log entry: 2:54
